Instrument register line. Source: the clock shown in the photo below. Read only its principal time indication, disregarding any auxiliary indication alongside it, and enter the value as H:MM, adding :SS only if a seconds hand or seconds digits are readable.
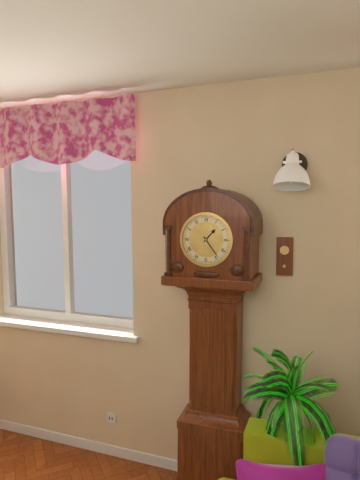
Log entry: 1:24
